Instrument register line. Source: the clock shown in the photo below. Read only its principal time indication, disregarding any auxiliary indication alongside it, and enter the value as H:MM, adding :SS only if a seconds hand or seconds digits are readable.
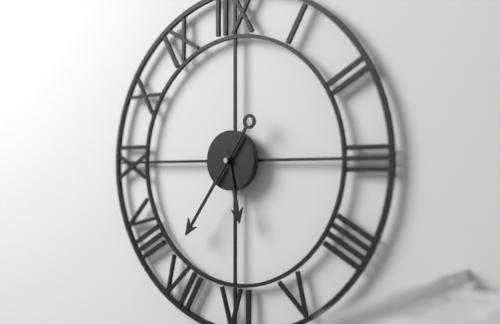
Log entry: 5:36
